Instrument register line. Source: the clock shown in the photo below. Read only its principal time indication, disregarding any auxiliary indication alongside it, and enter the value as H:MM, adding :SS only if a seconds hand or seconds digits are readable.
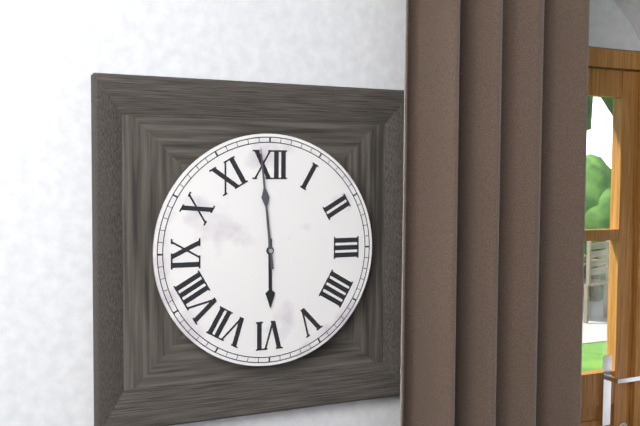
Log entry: 5:59
